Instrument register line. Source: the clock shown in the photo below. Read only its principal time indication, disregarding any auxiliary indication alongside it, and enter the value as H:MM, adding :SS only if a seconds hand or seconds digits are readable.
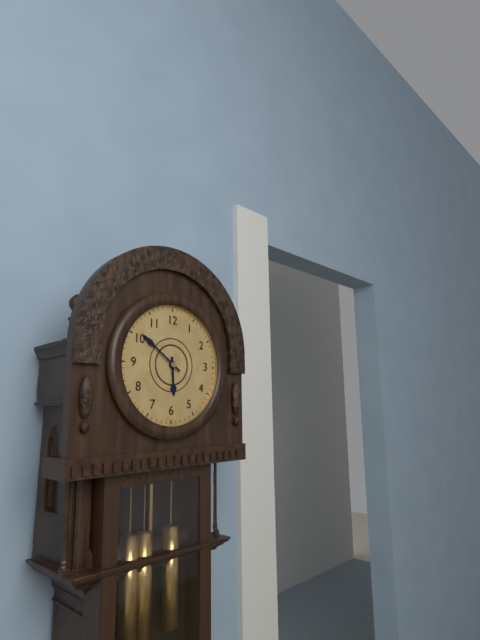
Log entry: 5:51
